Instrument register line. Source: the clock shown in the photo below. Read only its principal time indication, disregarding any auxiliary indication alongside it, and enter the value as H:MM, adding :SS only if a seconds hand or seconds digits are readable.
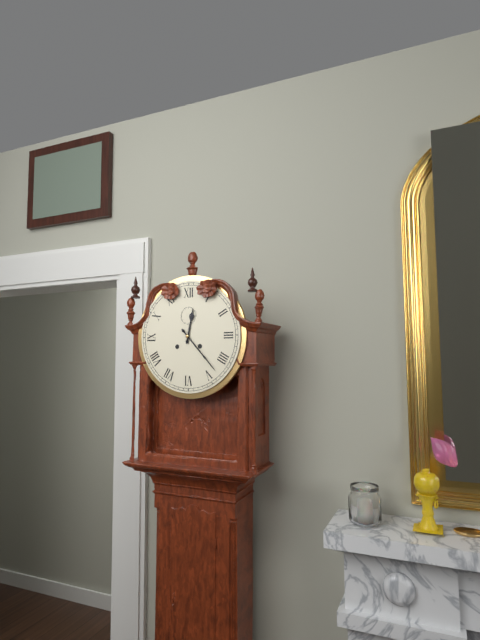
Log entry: 12:23
